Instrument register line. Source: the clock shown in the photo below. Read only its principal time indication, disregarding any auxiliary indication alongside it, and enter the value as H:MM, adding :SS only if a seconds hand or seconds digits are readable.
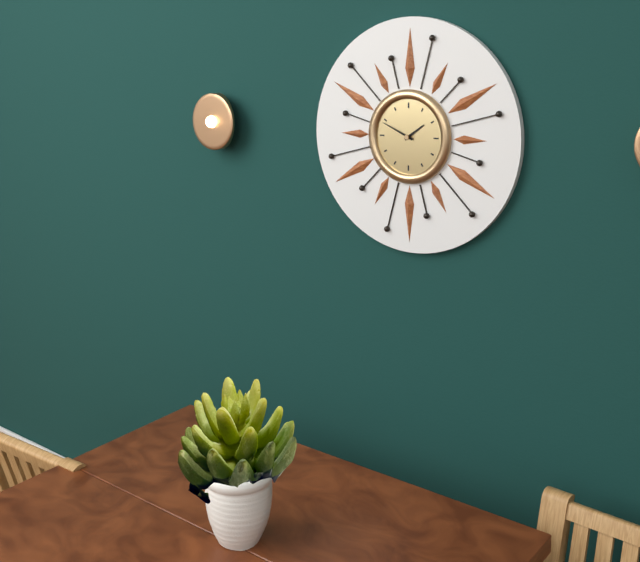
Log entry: 1:49
